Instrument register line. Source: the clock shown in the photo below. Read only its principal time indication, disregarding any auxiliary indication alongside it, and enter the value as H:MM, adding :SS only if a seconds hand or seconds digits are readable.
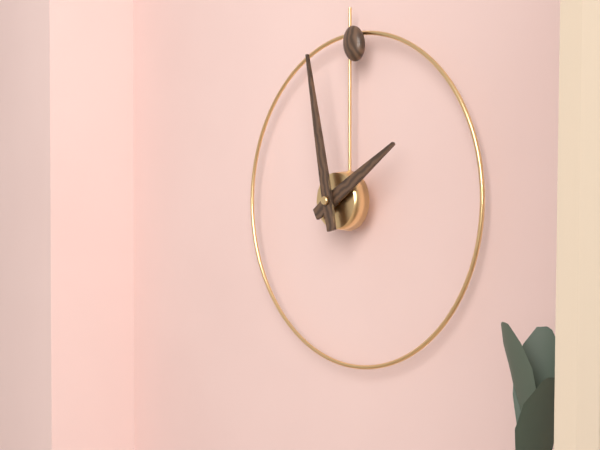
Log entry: 1:58
